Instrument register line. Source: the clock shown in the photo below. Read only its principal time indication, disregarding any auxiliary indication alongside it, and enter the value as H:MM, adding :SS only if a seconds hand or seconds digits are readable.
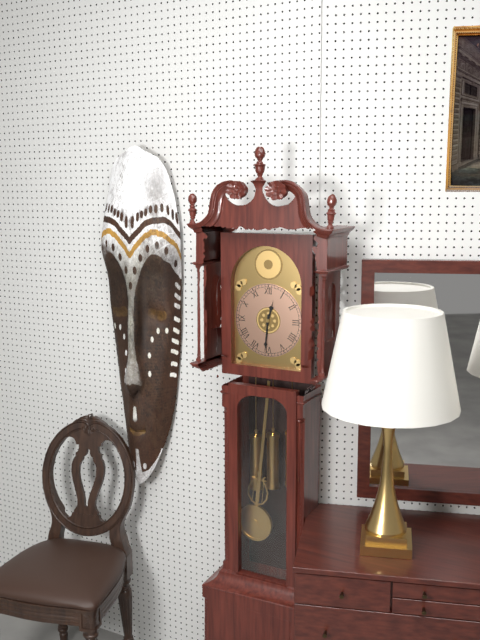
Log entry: 12:31
